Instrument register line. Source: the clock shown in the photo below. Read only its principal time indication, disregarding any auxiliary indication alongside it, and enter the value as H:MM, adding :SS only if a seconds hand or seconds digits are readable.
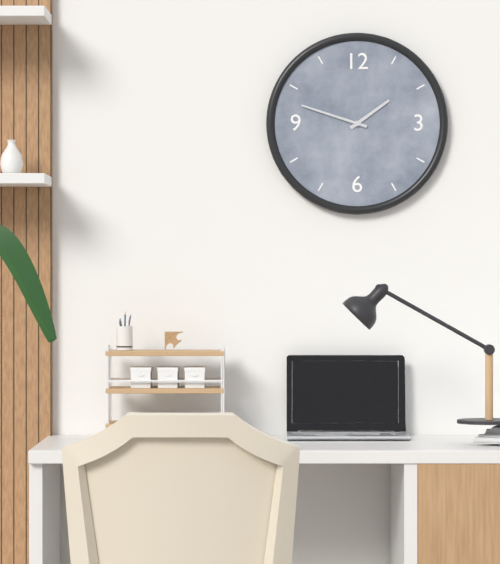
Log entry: 1:48
